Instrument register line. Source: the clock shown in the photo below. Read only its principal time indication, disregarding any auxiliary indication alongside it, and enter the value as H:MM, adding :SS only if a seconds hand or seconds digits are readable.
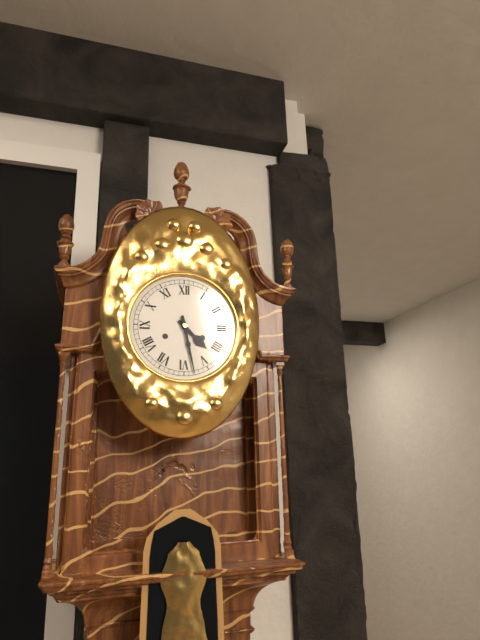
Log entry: 4:28
